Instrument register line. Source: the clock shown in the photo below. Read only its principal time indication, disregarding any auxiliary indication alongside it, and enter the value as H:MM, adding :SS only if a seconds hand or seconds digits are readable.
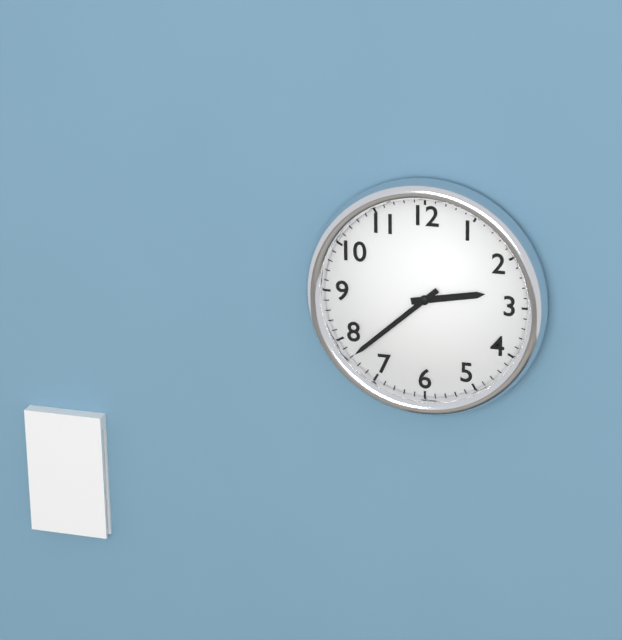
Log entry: 2:38
